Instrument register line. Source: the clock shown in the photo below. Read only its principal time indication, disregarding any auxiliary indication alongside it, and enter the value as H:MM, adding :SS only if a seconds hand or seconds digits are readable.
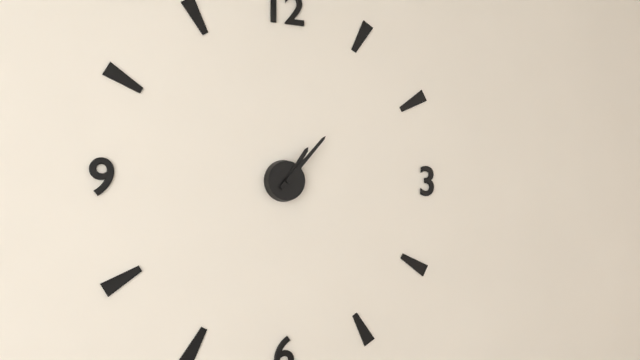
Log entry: 1:07
